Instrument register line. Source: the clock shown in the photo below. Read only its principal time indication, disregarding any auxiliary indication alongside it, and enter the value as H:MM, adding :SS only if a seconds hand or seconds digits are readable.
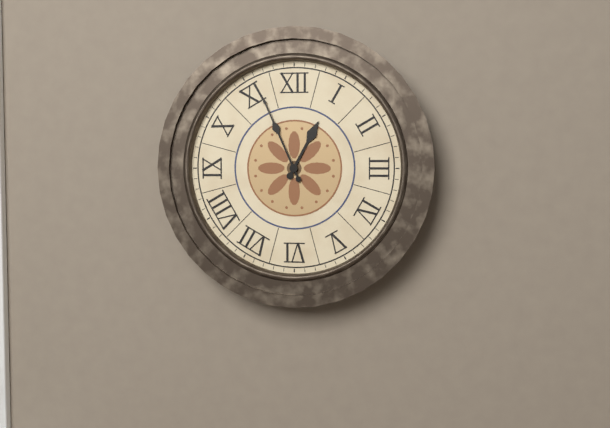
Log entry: 12:56
